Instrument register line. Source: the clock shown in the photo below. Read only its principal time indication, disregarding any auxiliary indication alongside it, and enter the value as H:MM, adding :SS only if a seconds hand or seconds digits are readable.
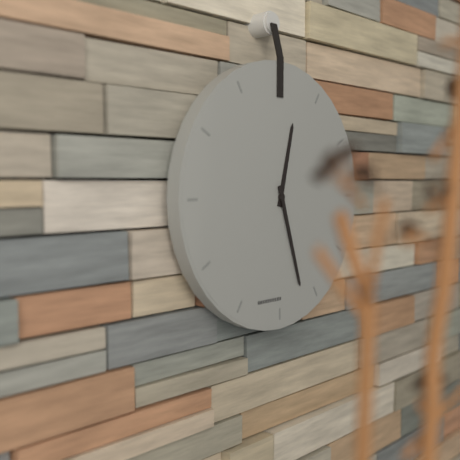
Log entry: 12:27
